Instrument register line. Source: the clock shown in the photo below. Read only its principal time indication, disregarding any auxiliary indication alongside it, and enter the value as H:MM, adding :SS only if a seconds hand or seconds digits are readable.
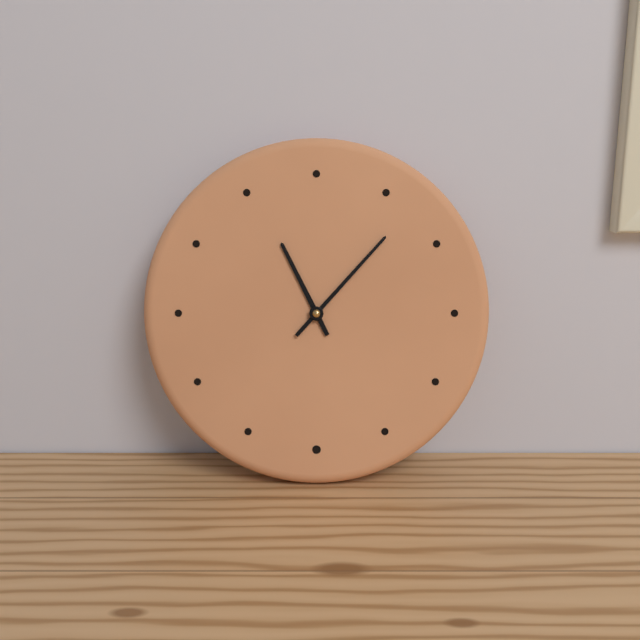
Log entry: 11:07
